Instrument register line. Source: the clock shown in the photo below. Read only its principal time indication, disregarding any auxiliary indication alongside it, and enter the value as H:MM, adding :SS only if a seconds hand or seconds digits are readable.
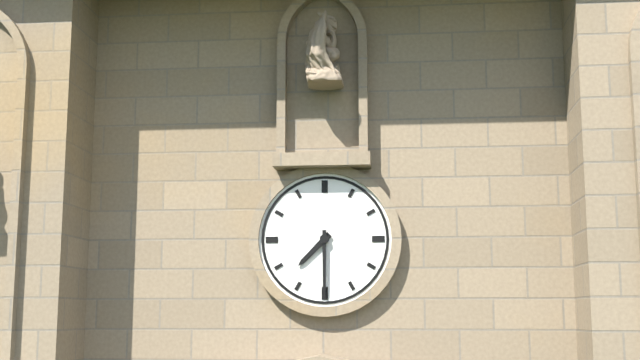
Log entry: 7:30
